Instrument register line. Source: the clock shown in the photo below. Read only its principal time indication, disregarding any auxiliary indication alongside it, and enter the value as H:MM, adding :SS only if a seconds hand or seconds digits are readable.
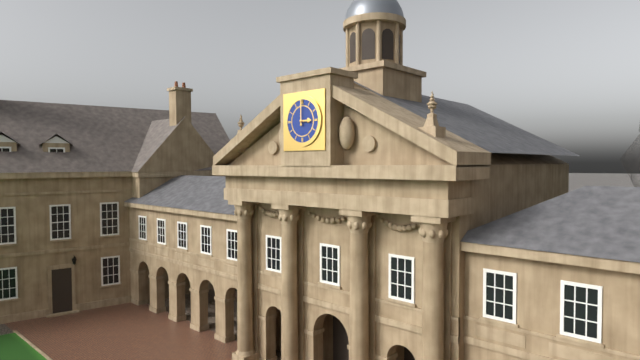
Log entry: 3:00
